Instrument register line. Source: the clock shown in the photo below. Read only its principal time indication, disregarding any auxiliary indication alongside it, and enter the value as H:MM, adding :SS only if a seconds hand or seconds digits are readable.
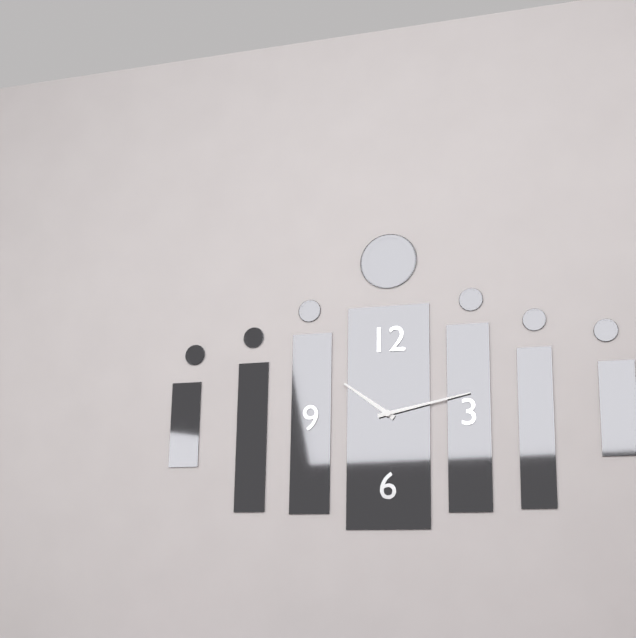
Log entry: 10:13
